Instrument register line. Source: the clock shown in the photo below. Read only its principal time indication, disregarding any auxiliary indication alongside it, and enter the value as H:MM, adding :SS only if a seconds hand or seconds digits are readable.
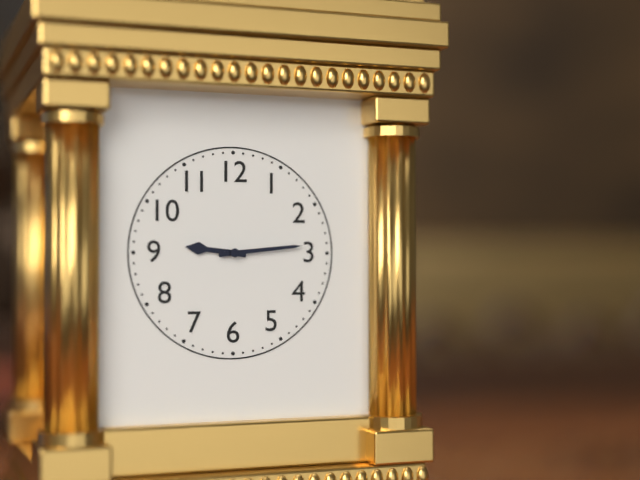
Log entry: 9:14
